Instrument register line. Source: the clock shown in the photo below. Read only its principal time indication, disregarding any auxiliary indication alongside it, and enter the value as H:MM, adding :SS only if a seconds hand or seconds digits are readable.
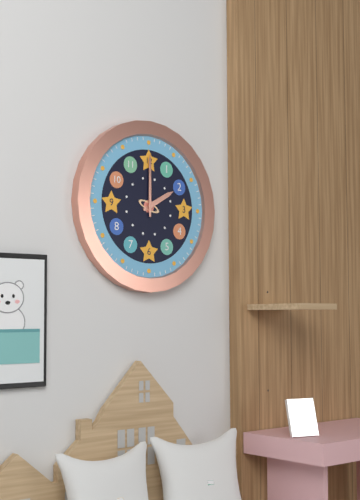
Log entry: 2:00
